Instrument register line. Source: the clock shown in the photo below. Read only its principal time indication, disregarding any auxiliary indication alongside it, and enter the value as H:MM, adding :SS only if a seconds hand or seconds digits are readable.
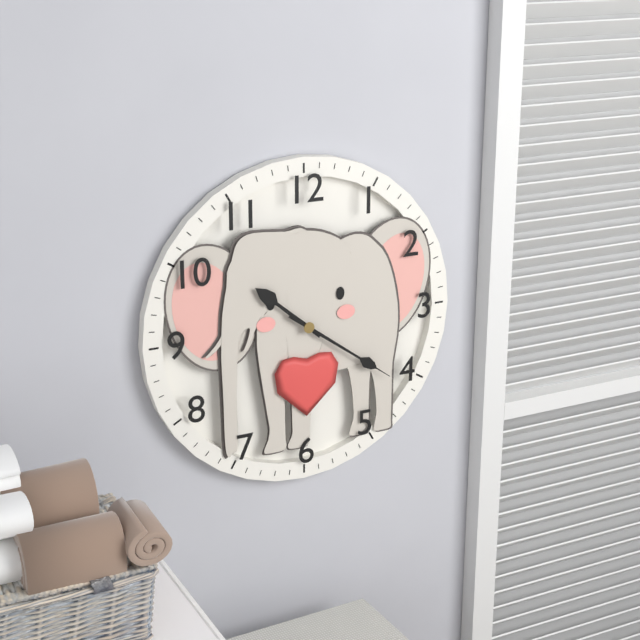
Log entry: 10:21
